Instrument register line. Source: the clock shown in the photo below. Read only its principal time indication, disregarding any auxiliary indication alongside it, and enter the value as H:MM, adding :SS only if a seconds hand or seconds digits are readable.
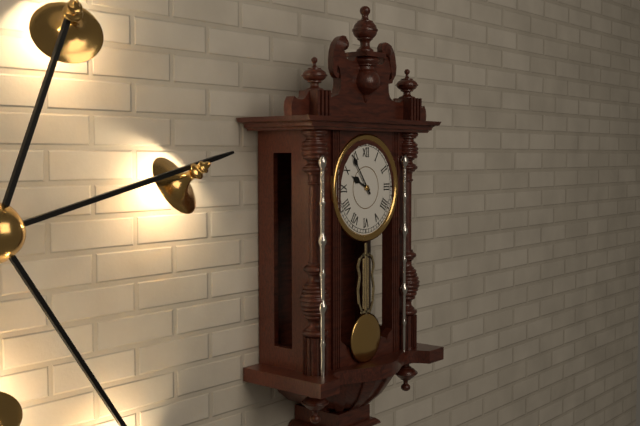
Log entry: 9:54
